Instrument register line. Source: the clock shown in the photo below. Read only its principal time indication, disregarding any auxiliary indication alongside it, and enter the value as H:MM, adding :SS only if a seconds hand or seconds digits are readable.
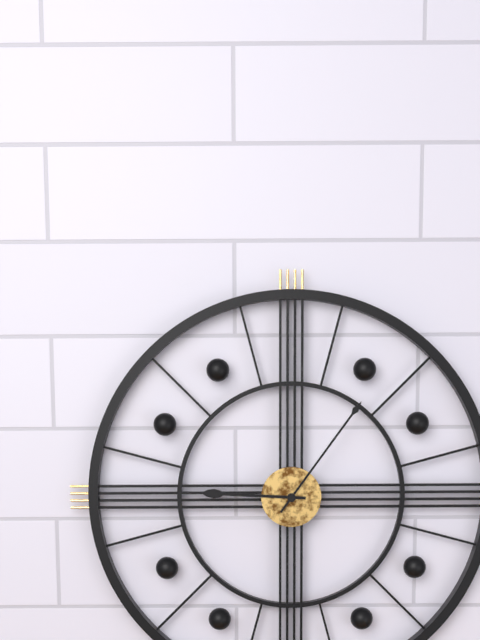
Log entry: 9:06
